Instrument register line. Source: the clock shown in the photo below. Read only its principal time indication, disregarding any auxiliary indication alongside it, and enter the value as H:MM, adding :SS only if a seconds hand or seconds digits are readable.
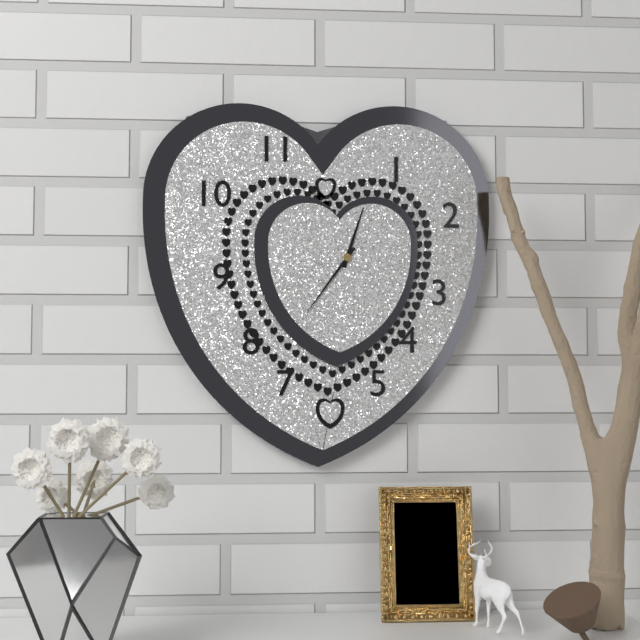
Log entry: 12:36
